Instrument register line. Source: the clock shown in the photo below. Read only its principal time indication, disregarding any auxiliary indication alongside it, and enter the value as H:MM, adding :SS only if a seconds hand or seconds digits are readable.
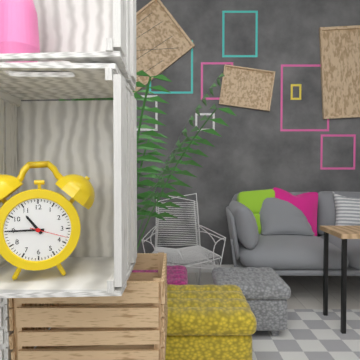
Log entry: 10:45
